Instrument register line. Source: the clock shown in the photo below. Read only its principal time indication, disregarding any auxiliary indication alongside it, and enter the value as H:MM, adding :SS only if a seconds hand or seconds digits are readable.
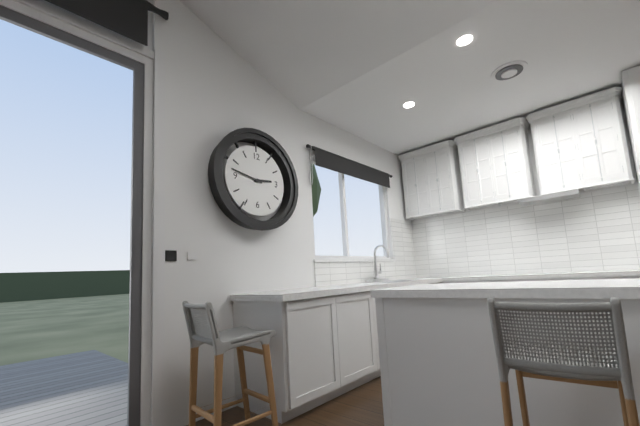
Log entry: 2:47
